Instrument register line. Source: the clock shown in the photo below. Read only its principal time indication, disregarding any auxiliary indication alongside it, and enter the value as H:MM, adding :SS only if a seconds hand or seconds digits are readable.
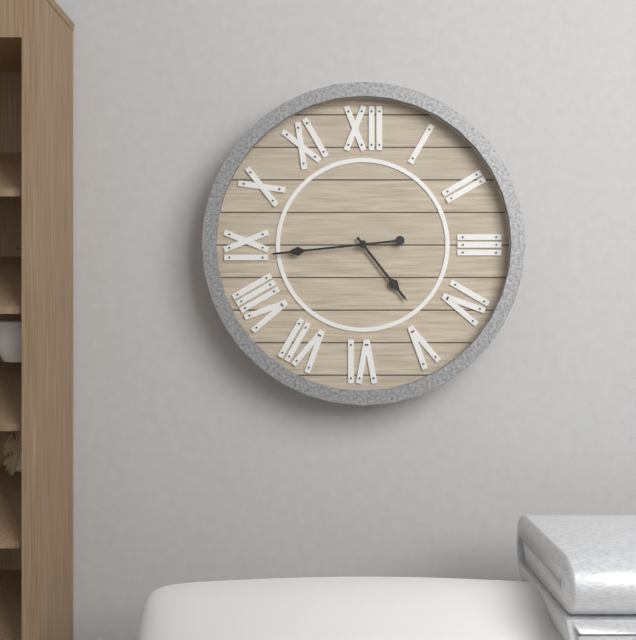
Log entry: 4:44
